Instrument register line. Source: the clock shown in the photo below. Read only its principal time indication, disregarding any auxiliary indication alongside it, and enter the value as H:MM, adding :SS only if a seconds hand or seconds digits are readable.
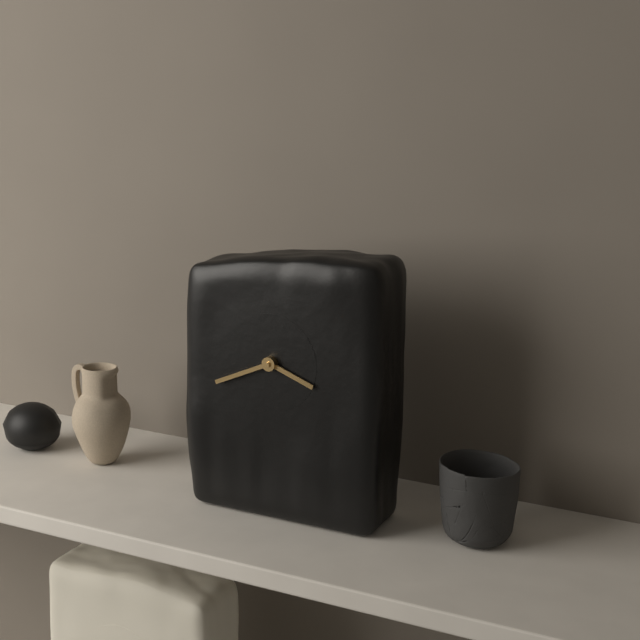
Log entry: 3:41
